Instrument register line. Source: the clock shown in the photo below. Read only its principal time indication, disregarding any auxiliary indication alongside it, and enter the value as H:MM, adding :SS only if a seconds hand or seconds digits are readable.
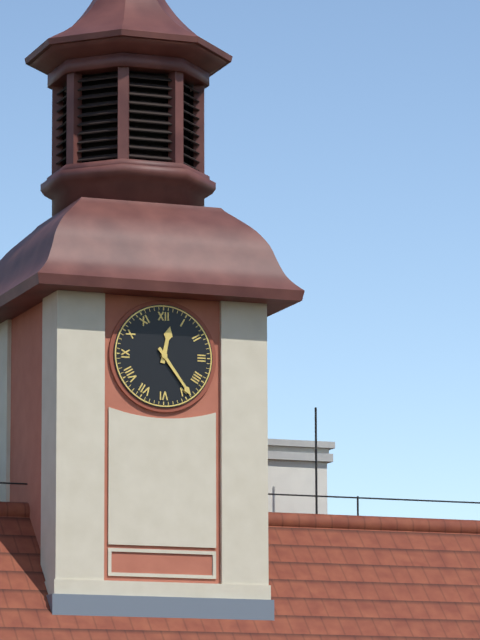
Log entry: 12:24
